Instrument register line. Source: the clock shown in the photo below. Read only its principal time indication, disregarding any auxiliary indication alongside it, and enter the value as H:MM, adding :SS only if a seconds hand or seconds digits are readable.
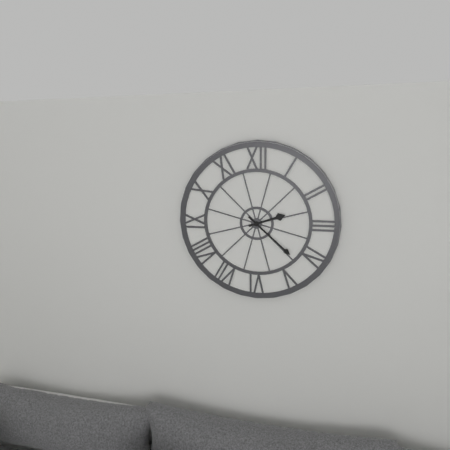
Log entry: 2:22
